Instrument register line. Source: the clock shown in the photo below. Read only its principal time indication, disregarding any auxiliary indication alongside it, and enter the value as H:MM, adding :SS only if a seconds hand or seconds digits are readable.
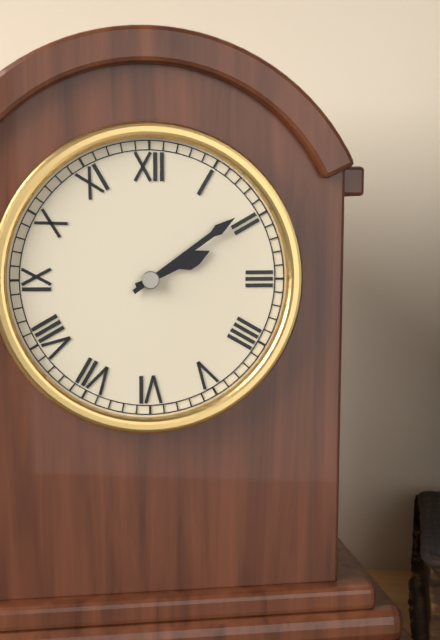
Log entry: 2:09
